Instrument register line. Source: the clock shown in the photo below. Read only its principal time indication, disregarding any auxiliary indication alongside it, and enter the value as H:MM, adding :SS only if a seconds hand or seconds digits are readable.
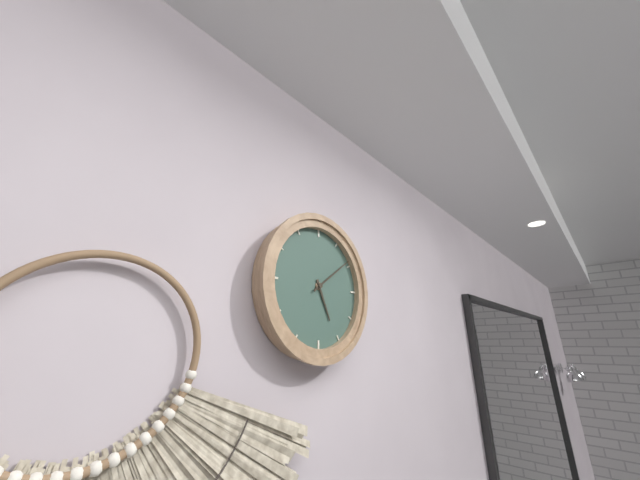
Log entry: 5:09
